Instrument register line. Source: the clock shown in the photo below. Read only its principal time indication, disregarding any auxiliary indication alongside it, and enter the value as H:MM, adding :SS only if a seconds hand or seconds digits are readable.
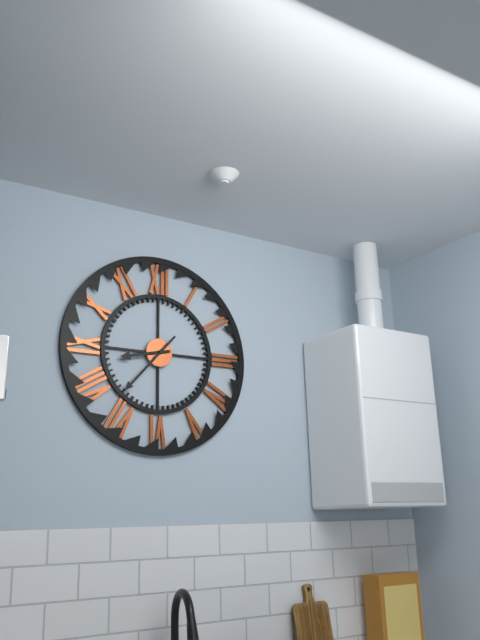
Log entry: 8:37
